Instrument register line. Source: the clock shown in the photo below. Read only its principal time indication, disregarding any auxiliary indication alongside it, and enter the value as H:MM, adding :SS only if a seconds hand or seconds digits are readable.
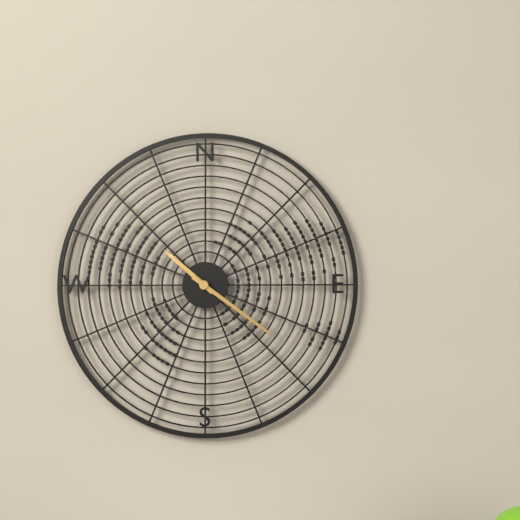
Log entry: 10:21
